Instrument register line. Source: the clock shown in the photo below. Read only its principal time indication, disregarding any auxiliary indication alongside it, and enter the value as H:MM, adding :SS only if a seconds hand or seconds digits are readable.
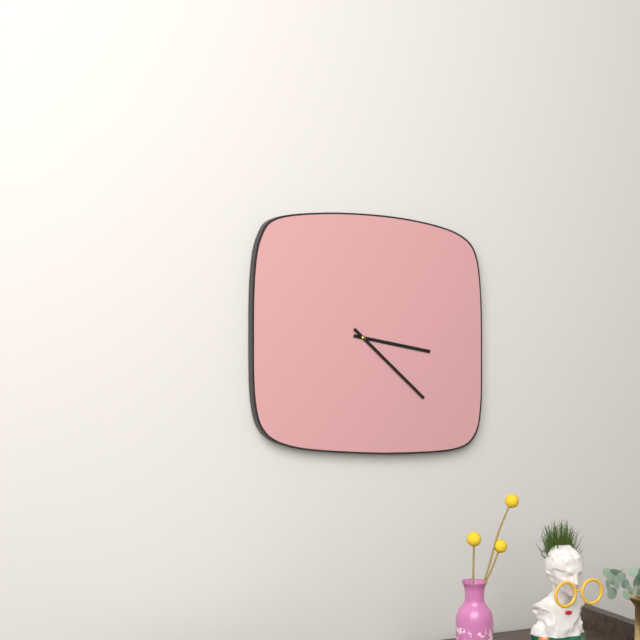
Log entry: 3:22
